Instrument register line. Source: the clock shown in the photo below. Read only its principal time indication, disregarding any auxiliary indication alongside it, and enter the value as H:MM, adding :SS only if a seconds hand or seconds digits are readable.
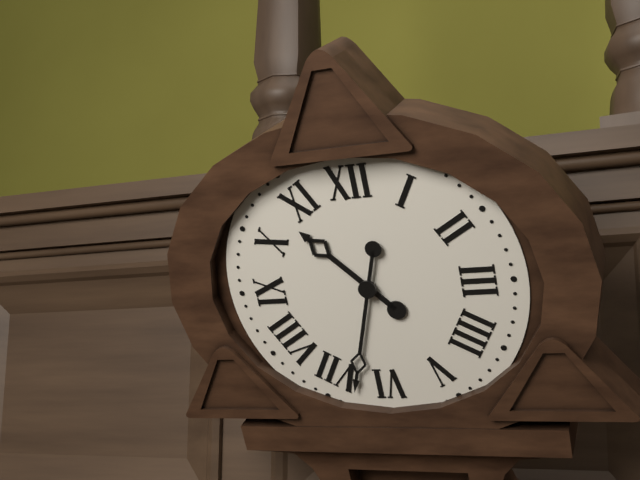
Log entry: 10:33
